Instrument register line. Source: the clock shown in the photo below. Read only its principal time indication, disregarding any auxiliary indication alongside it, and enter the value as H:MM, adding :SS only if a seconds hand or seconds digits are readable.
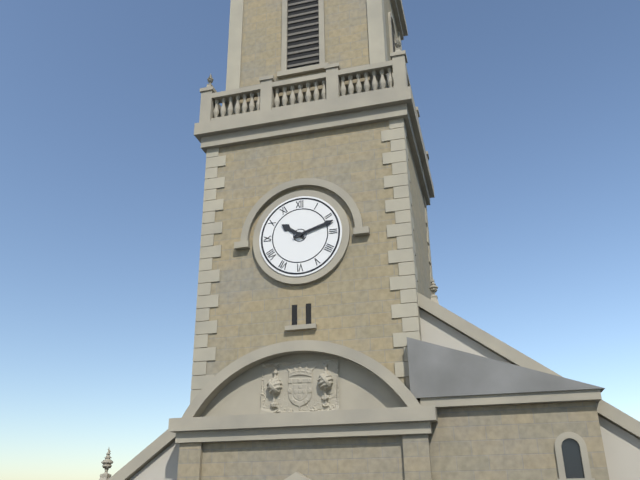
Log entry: 10:12
